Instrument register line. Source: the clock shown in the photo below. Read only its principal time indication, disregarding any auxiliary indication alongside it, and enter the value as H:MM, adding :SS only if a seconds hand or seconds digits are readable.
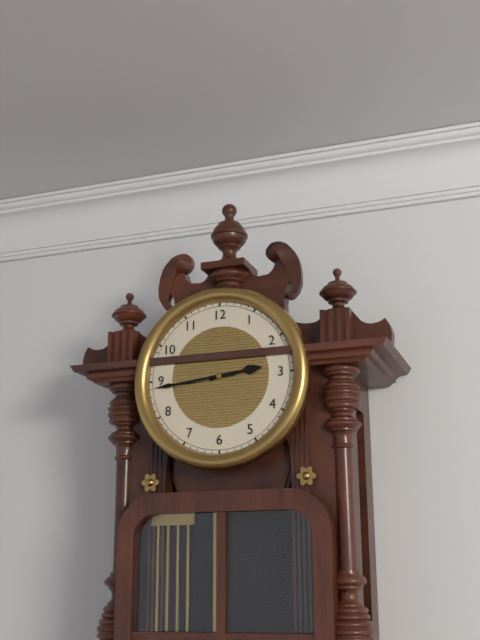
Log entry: 2:44
